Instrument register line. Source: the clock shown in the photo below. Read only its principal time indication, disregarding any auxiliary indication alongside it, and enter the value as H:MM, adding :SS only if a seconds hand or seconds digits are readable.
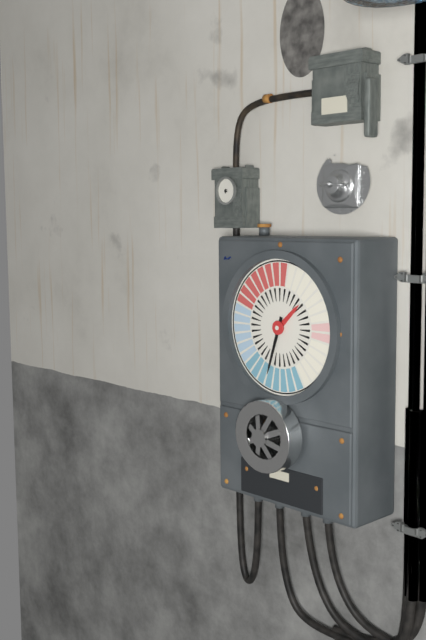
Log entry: 1:33
